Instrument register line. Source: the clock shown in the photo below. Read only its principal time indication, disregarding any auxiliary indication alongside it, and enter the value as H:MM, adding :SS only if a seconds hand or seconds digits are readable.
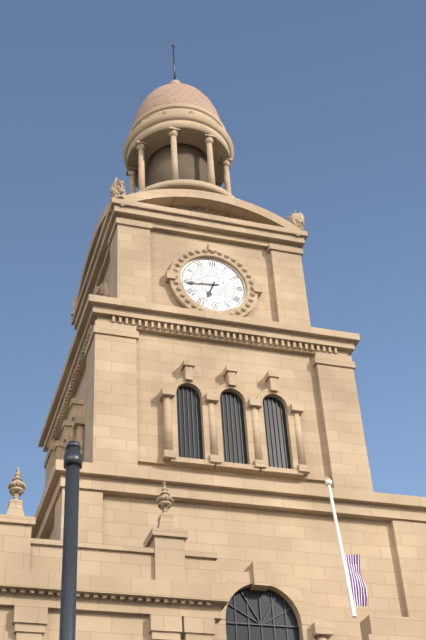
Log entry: 6:44
